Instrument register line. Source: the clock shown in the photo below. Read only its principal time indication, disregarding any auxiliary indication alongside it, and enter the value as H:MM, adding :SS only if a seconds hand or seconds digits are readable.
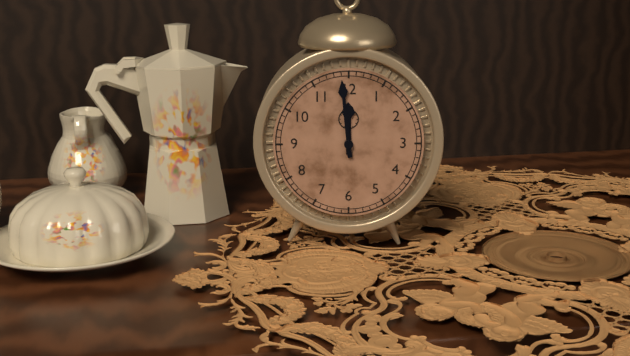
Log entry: 11:59
